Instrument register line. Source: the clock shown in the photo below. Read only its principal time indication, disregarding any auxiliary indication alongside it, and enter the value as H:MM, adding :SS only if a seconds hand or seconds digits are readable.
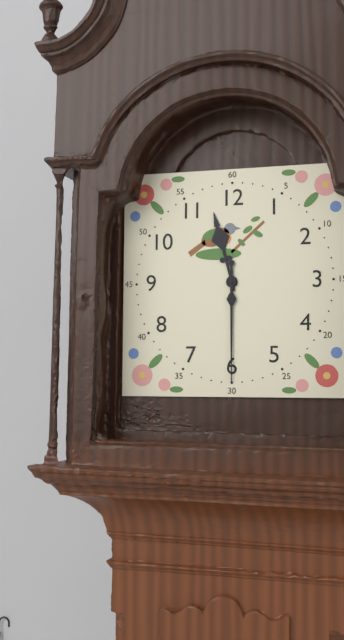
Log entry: 11:30
